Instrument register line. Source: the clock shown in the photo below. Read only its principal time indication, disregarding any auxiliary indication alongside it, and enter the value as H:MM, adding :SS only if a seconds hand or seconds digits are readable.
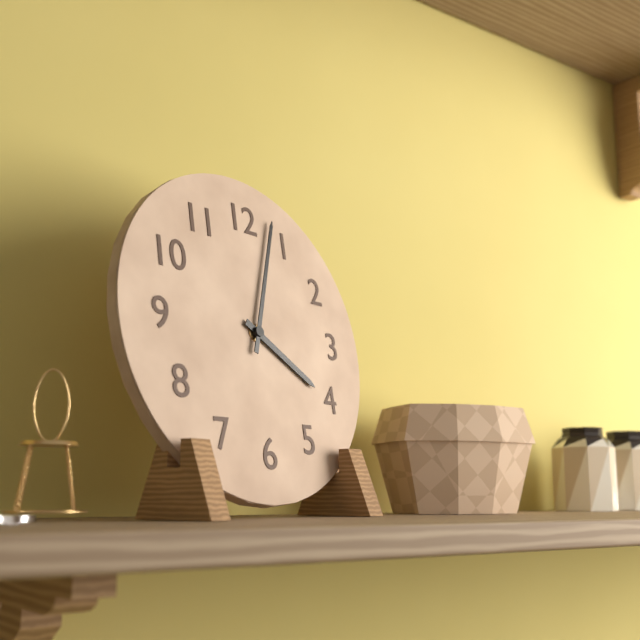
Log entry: 4:03
